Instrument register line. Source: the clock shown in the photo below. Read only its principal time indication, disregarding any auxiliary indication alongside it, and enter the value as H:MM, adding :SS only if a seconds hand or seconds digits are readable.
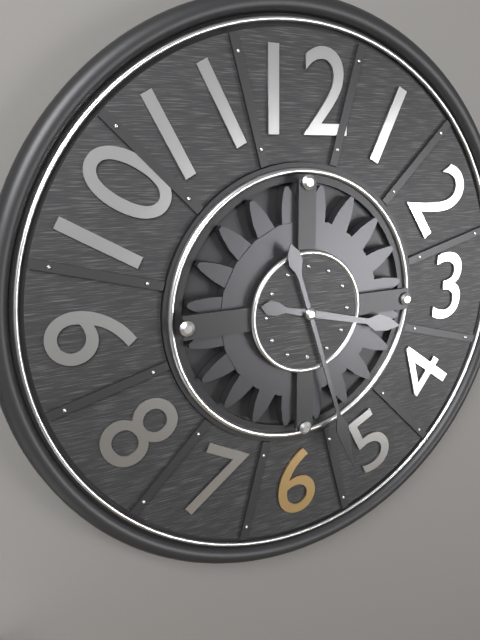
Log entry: 3:27
